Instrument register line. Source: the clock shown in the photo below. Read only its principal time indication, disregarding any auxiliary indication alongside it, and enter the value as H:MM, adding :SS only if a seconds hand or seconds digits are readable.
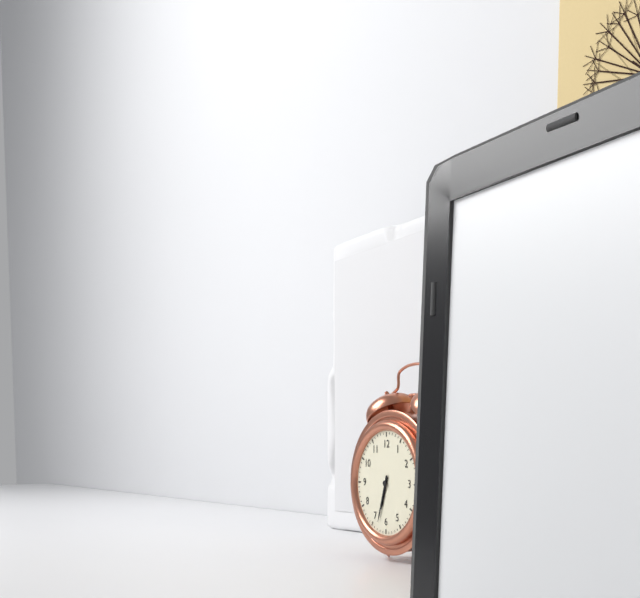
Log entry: 6:33
